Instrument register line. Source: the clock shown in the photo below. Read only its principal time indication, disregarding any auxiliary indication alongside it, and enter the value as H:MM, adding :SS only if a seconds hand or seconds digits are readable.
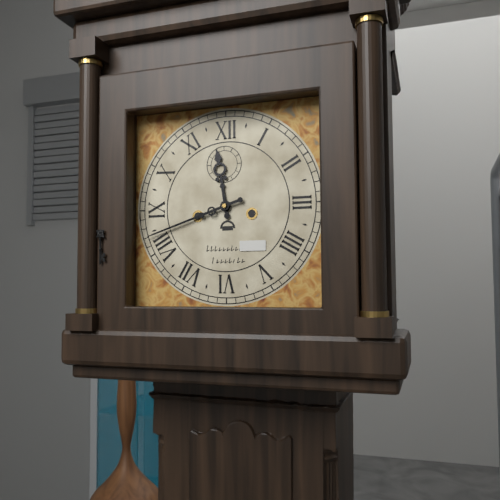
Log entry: 11:42
